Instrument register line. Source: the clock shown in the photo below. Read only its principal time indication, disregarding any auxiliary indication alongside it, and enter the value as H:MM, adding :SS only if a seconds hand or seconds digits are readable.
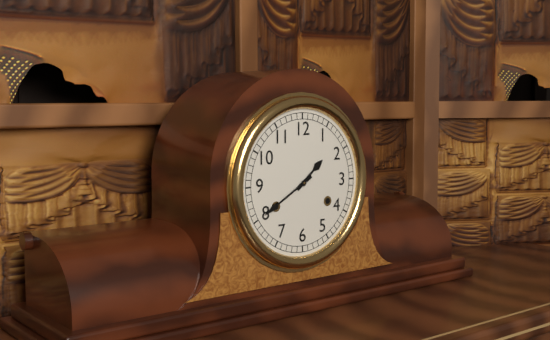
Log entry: 1:40
